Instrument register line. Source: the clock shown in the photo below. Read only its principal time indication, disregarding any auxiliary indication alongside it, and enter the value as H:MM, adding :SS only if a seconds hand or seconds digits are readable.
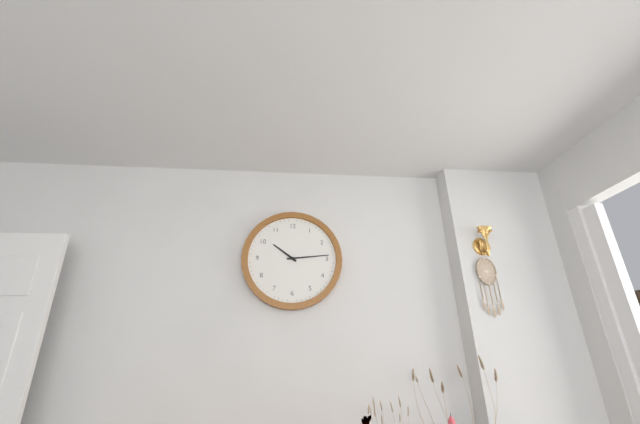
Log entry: 10:14
